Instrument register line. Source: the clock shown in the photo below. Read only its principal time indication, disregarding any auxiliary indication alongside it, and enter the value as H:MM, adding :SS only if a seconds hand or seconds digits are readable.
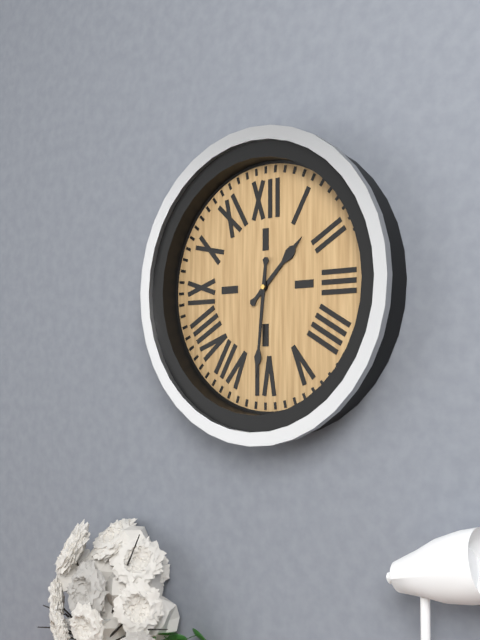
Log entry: 1:31
